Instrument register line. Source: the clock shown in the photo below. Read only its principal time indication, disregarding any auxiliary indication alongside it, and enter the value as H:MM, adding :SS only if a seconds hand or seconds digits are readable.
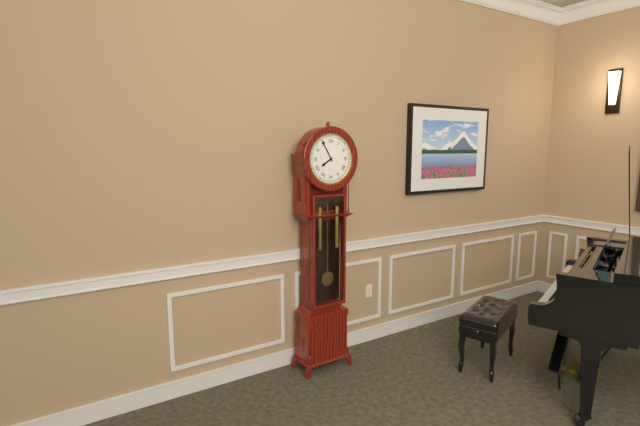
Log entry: 7:55
